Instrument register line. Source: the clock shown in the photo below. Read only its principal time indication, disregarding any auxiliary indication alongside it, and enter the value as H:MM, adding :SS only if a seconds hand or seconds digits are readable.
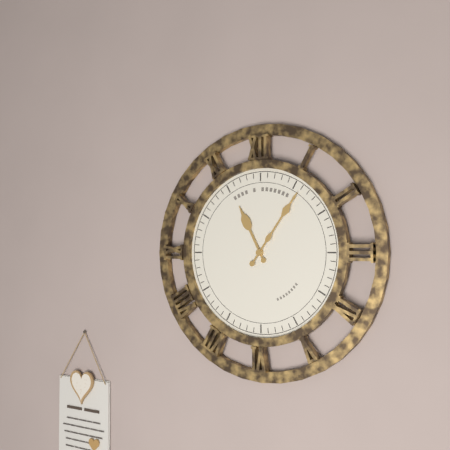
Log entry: 11:06
